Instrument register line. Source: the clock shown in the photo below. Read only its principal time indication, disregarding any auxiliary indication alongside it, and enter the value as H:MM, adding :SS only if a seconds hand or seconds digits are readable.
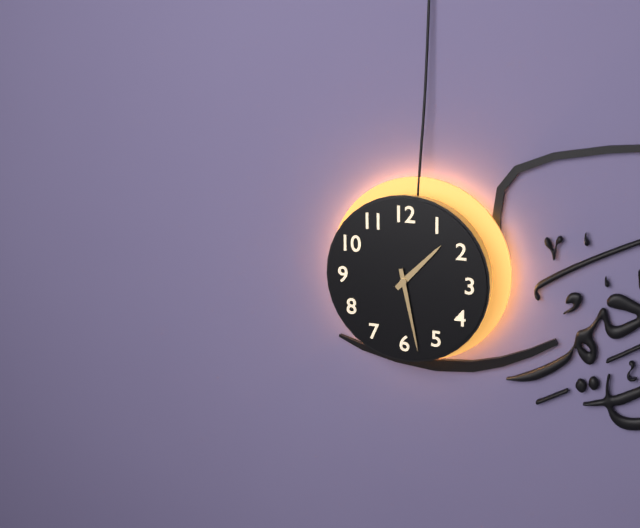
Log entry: 1:28
